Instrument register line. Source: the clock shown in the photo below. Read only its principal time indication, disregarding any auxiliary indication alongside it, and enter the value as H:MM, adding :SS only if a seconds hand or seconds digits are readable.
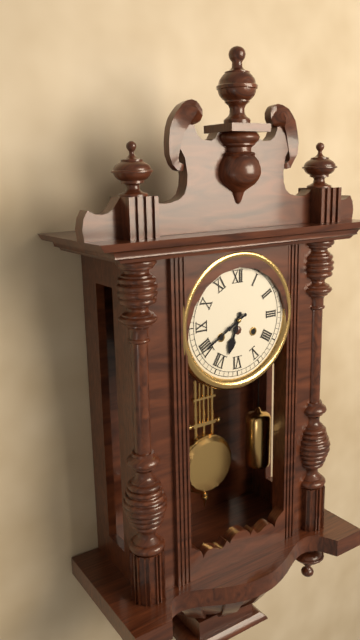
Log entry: 6:40
